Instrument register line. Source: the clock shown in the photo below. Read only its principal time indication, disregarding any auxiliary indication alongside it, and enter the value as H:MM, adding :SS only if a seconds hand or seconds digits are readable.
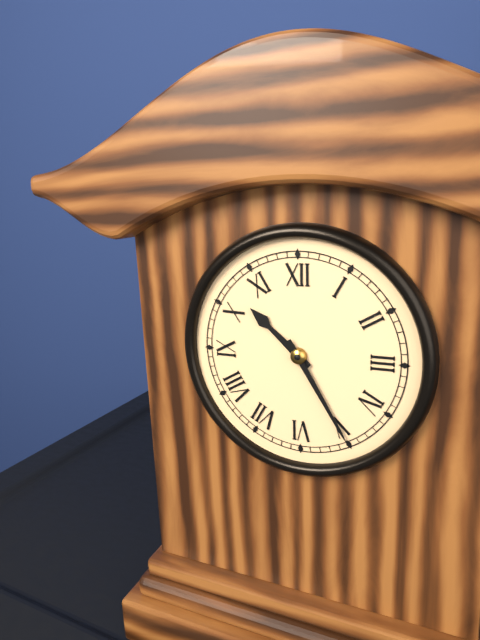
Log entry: 10:25
